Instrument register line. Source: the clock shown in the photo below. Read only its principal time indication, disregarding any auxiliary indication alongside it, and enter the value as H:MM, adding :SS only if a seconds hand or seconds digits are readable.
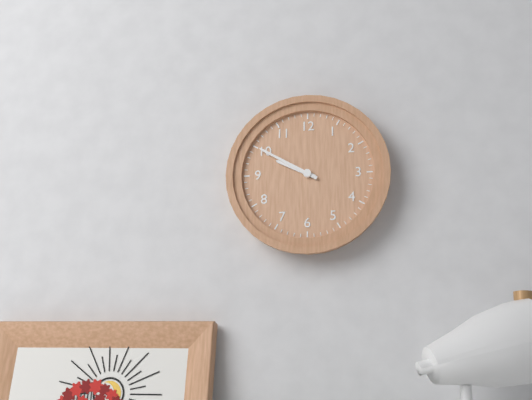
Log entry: 9:50
